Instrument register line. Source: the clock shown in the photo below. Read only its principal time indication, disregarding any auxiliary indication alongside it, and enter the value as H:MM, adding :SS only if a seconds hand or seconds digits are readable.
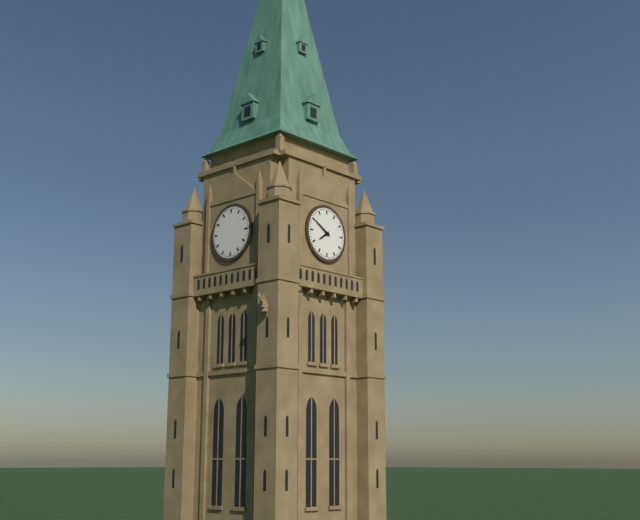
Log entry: 7:50
